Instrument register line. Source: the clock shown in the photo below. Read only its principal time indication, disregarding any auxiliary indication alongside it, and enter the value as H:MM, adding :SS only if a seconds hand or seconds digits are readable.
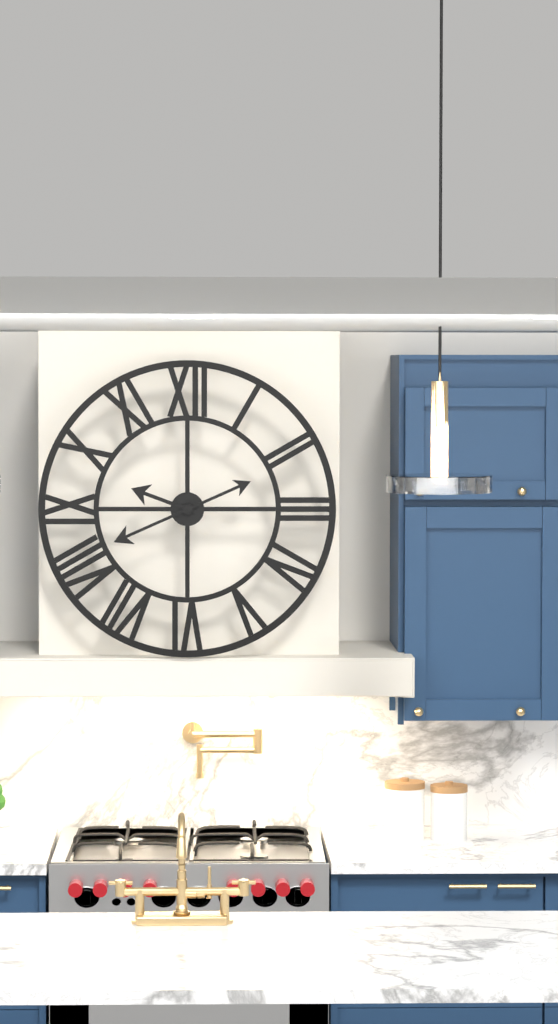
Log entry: 9:41
